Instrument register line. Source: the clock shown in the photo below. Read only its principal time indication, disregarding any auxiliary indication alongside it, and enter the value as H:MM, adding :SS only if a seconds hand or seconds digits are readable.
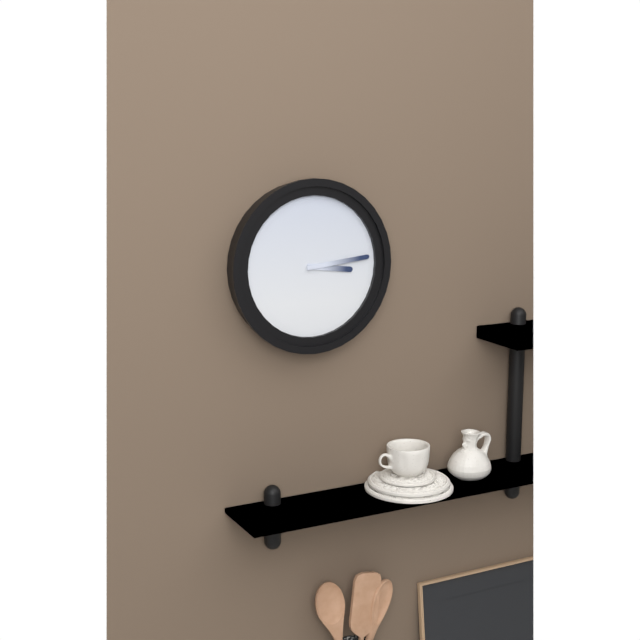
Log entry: 3:14
